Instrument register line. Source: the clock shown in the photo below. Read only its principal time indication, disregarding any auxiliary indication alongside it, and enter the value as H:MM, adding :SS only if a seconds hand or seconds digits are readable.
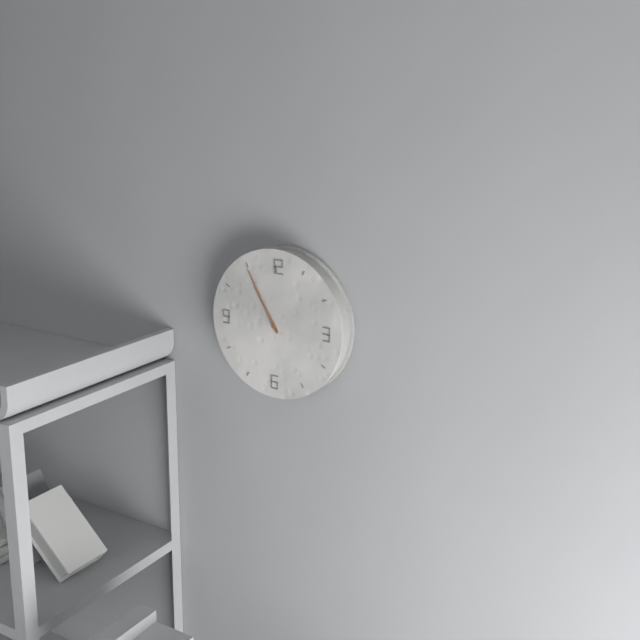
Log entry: 10:55
